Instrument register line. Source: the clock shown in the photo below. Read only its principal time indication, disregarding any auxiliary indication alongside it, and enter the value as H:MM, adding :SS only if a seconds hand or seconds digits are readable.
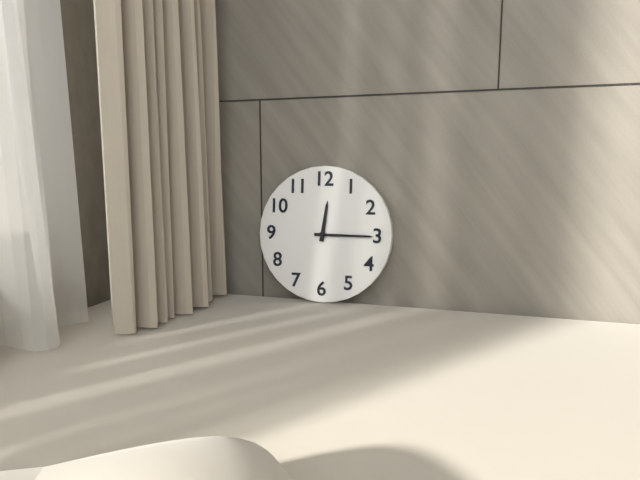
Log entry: 12:15
